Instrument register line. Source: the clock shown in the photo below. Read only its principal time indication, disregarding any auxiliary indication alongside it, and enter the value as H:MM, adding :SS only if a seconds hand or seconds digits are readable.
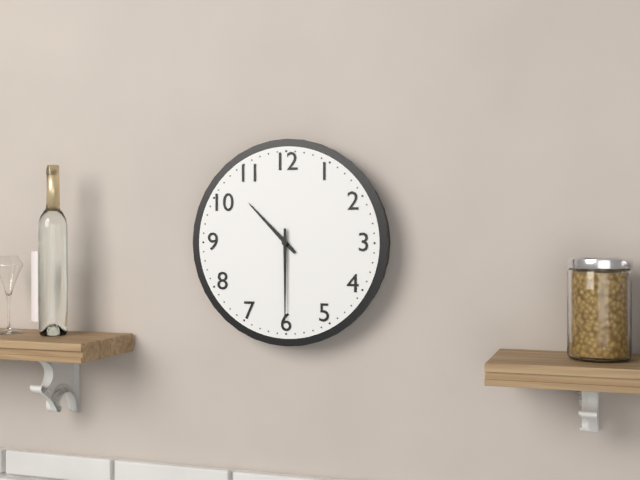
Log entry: 10:30
